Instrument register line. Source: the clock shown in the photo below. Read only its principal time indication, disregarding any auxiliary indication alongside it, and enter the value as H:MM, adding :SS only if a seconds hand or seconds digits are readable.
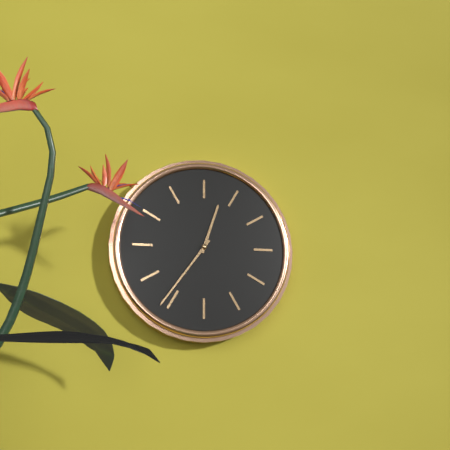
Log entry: 12:36
